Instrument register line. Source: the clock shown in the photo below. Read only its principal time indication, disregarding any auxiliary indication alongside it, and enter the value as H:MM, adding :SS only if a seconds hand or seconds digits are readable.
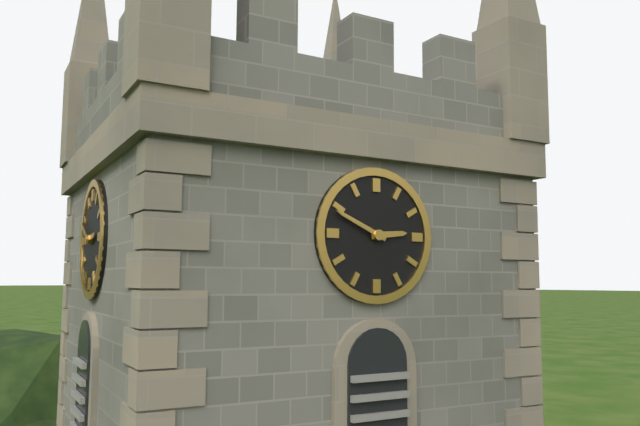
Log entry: 2:49
